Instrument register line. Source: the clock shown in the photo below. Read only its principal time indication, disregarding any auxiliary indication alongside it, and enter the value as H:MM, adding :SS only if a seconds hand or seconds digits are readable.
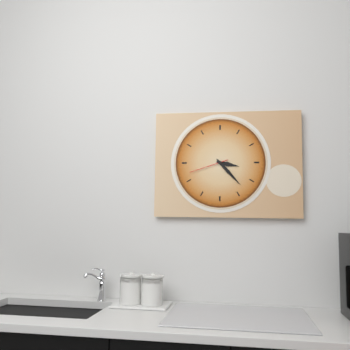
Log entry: 3:23
